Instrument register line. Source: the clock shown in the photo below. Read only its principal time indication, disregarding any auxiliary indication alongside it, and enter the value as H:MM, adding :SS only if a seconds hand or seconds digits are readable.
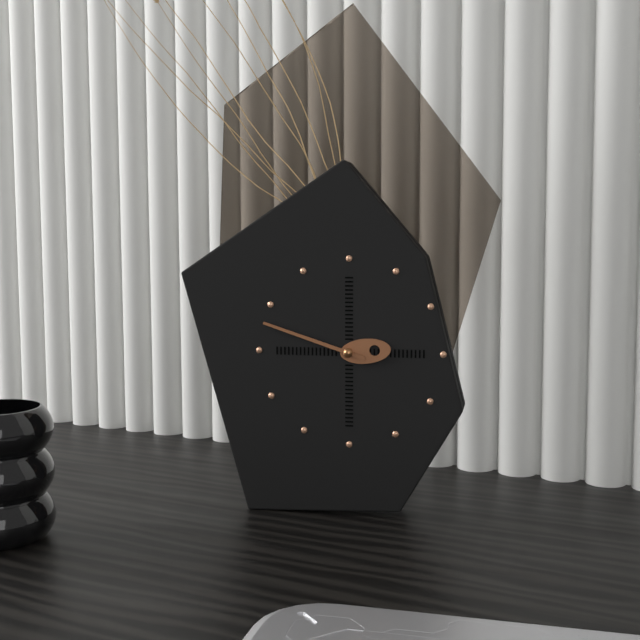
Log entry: 2:48
